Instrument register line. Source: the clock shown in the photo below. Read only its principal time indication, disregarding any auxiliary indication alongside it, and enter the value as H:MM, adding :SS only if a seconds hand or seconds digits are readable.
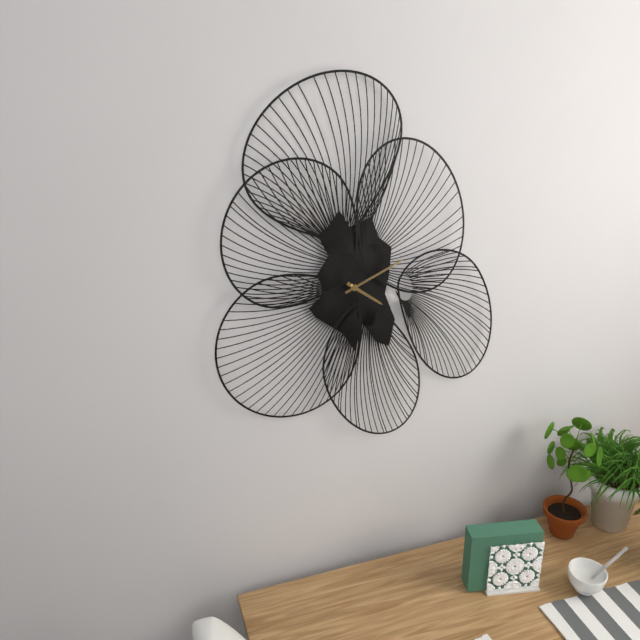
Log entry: 4:11
